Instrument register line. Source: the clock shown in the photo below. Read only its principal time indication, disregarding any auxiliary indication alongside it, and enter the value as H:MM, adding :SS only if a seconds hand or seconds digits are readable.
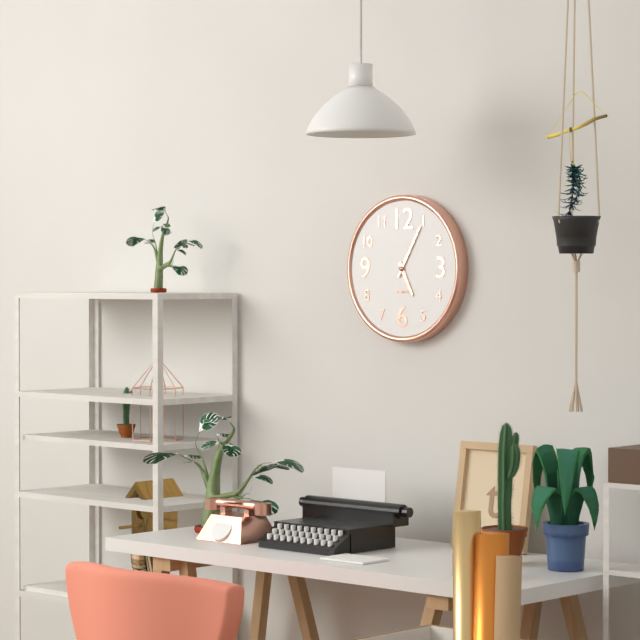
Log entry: 5:05
